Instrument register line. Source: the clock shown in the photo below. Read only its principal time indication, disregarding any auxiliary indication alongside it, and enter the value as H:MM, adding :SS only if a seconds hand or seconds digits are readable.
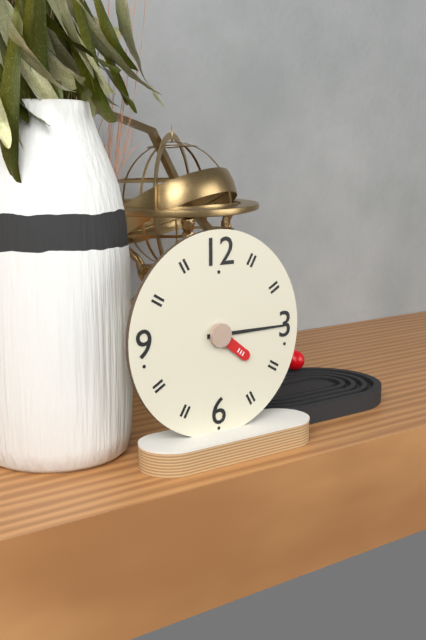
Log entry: 4:15
